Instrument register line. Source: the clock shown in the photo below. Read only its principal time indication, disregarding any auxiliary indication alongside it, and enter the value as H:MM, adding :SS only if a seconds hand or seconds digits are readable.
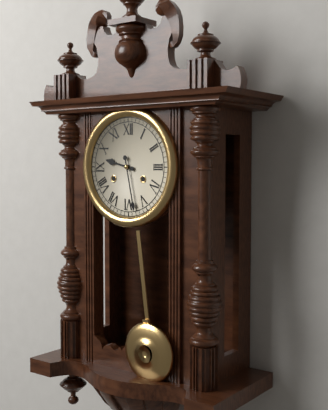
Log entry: 9:28
